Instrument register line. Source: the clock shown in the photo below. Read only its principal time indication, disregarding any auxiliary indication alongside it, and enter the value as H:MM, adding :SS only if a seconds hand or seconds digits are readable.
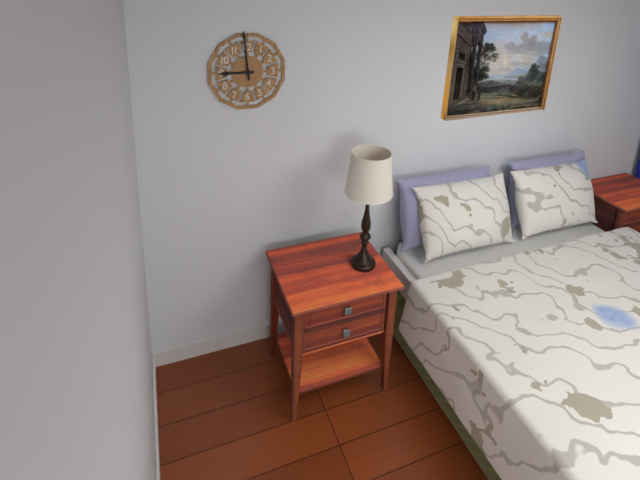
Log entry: 8:59
